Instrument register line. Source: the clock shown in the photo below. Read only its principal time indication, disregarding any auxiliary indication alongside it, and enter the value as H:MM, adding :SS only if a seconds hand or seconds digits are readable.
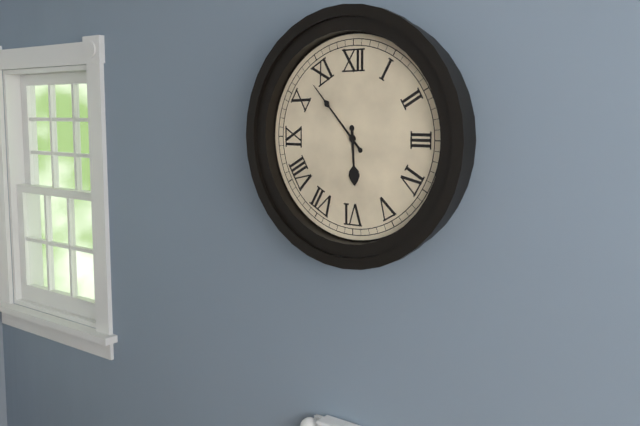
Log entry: 5:53
